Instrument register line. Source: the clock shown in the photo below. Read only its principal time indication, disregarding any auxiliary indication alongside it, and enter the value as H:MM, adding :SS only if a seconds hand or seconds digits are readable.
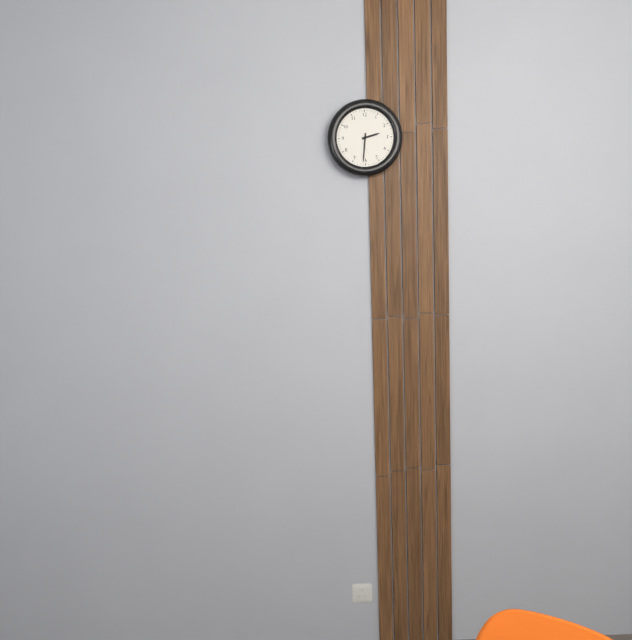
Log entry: 2:31
